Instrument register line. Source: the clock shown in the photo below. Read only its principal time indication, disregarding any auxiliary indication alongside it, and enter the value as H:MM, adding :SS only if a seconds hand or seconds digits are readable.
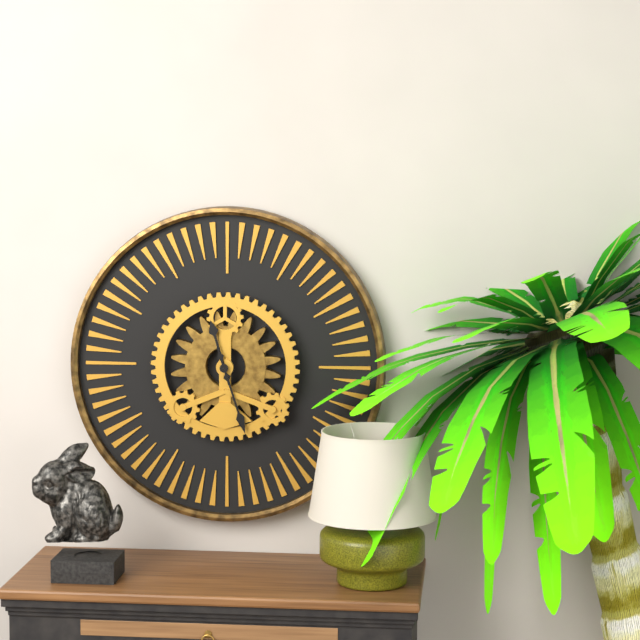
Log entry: 11:27
